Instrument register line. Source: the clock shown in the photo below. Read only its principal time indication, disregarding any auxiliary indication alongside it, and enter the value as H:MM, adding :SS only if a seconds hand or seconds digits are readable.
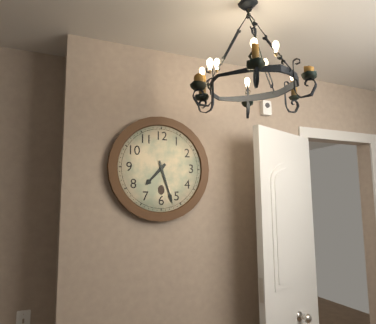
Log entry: 7:27
